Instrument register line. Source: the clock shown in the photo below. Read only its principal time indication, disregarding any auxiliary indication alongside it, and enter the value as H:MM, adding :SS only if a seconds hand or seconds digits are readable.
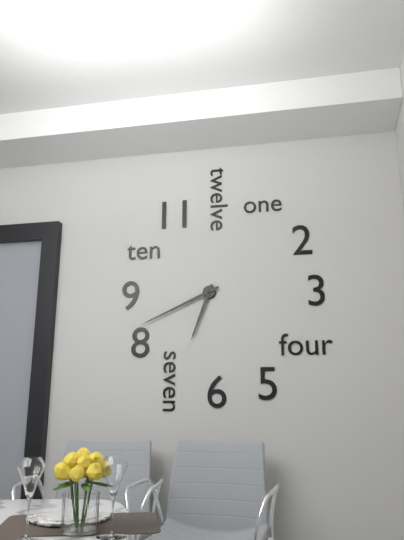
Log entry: 6:41
